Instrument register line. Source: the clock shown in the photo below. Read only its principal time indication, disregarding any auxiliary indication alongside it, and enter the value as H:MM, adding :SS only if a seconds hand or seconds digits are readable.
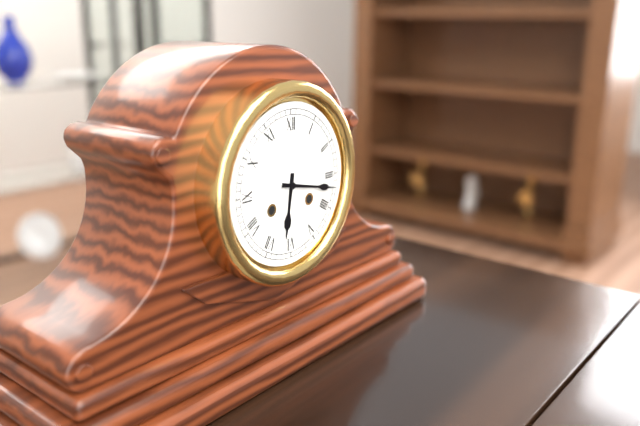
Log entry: 6:17
